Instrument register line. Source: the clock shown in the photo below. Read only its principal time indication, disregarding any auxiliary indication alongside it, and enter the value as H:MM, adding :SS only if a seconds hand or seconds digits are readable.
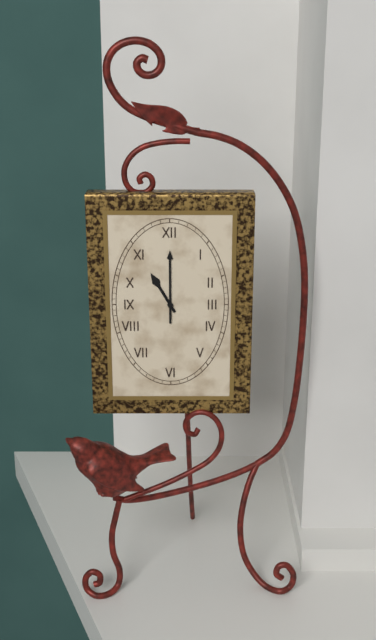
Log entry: 11:00
